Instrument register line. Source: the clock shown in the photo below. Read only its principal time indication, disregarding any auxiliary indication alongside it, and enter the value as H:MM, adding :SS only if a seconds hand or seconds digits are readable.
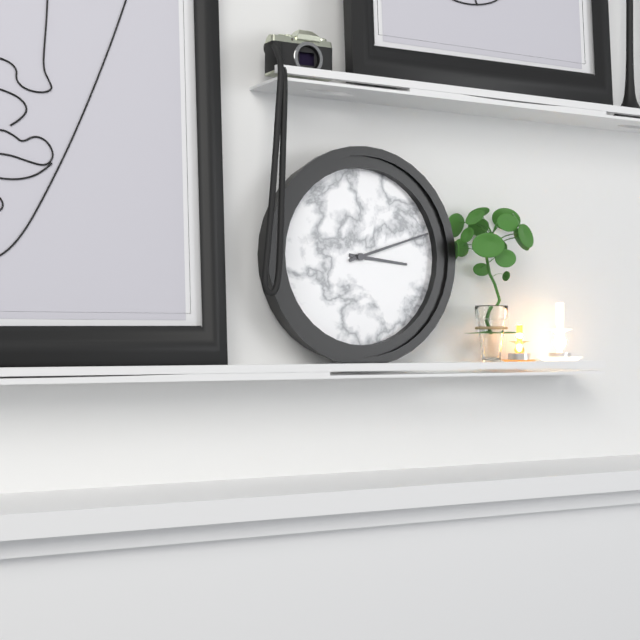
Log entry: 3:12
